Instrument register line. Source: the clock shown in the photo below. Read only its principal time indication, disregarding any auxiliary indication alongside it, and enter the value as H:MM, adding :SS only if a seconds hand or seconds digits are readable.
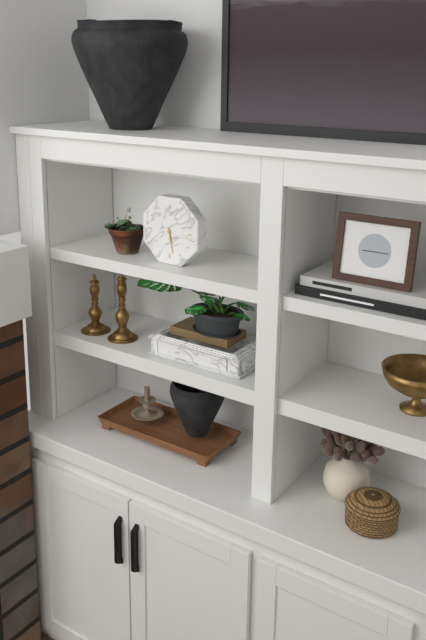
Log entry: 5:28
